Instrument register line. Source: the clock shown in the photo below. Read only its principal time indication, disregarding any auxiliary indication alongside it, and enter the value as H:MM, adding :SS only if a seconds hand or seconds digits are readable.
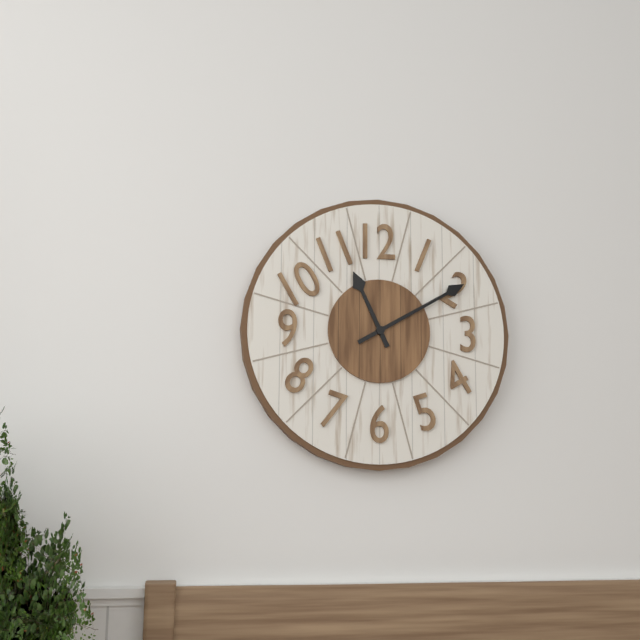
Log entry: 11:10
